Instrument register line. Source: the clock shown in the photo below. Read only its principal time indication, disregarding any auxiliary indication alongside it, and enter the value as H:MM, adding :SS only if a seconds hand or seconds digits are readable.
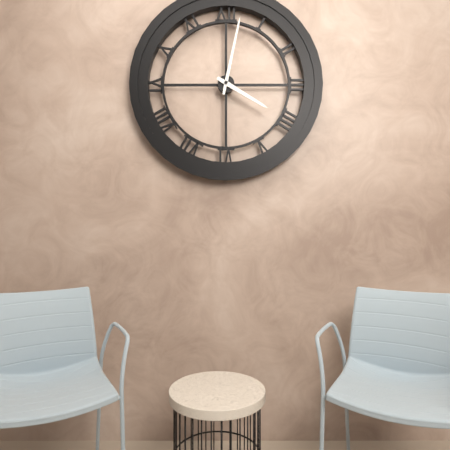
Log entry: 4:02
